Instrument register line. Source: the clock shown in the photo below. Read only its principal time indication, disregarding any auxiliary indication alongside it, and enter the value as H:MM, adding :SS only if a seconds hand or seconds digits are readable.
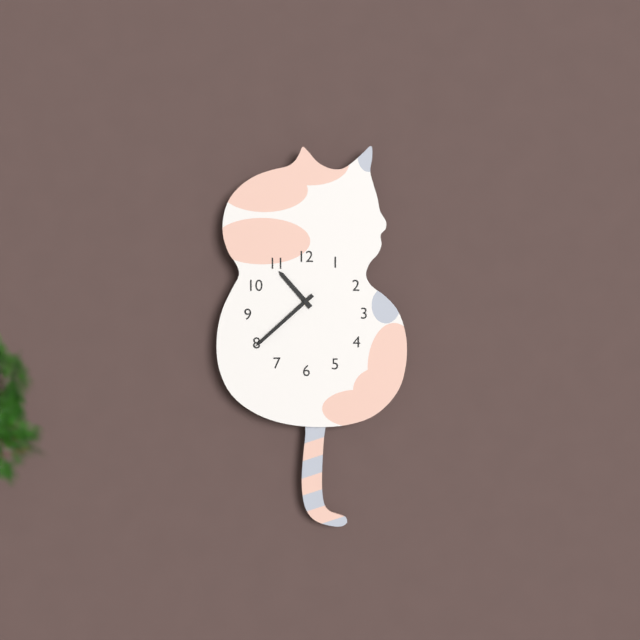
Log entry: 10:38
